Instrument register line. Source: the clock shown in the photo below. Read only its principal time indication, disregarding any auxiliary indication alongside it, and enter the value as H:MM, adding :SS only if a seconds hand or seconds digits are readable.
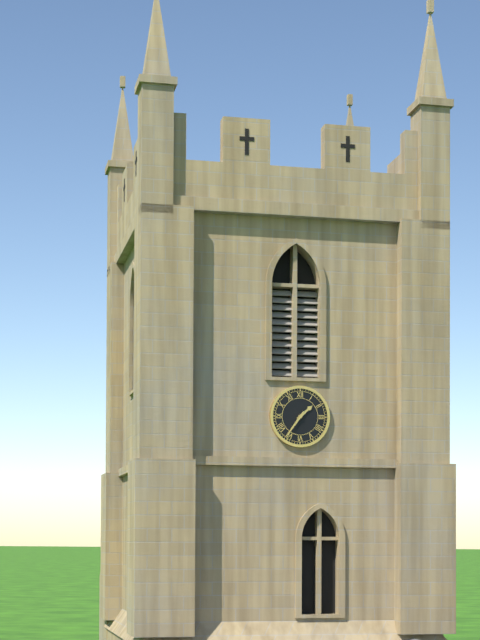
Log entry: 1:36
